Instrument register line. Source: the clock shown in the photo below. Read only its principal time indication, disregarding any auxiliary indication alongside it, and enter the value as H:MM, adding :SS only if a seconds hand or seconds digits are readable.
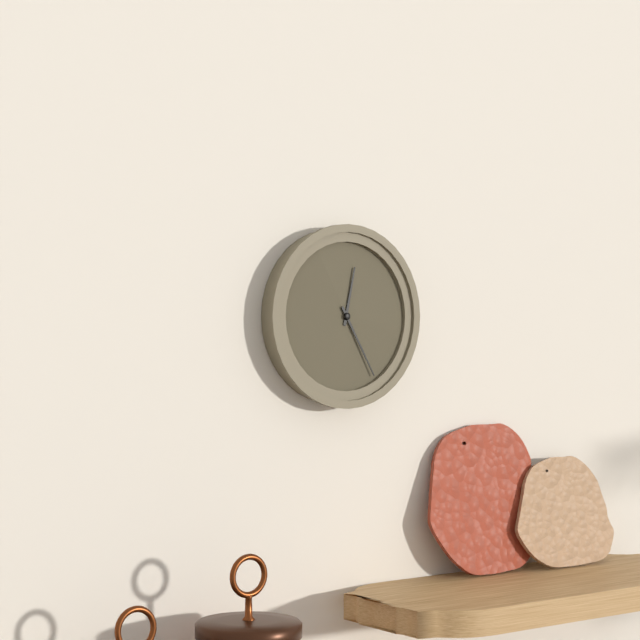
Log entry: 12:25
